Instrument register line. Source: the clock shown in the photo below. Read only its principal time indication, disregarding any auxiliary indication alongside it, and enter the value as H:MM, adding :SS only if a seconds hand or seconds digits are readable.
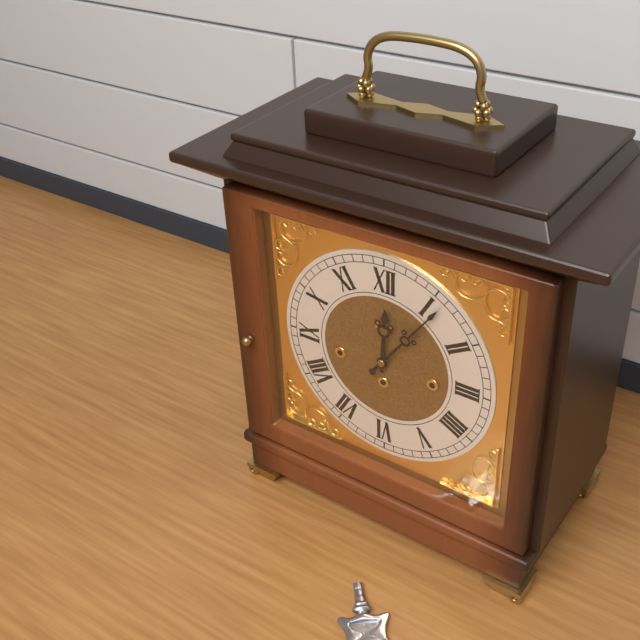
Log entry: 12:06
